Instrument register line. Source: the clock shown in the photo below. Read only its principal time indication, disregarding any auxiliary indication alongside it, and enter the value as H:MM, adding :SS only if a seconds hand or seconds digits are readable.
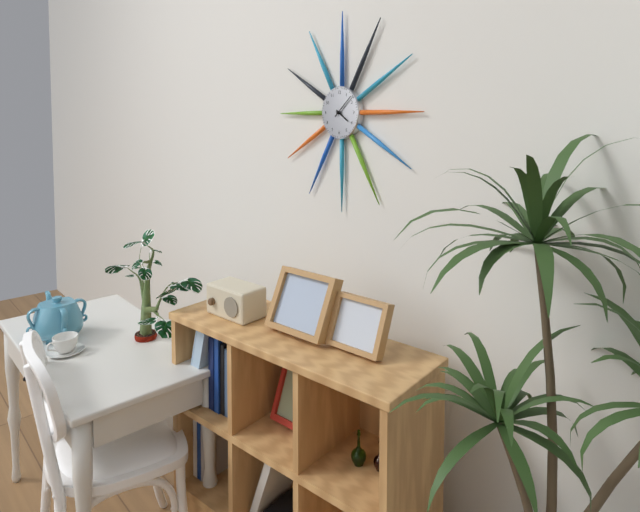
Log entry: 4:08
